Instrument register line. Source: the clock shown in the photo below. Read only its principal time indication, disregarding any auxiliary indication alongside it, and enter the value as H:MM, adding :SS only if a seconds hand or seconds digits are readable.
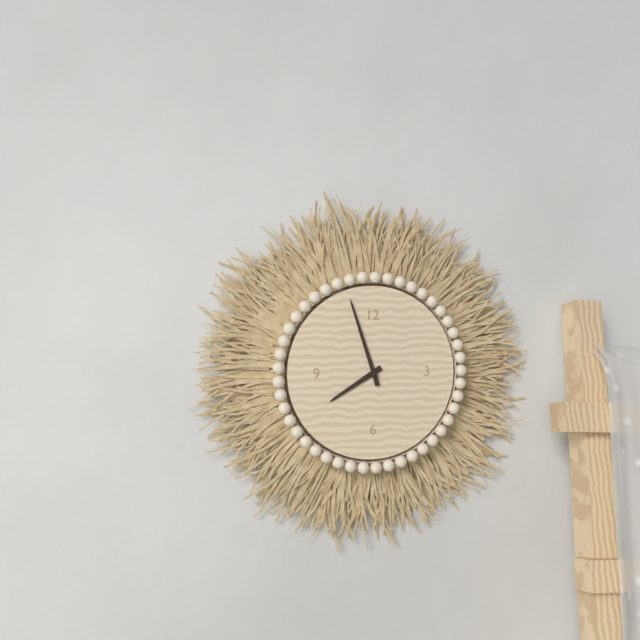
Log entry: 7:57
